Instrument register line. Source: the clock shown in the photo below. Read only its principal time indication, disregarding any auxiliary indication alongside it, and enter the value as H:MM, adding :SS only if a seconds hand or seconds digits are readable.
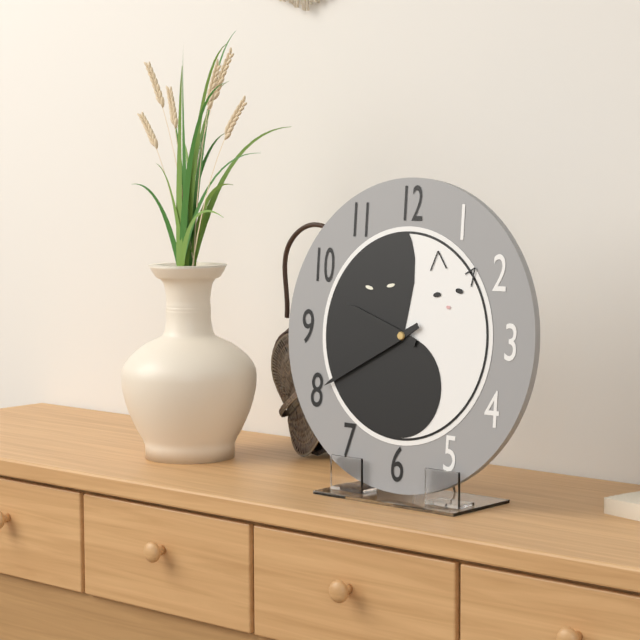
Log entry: 9:40
